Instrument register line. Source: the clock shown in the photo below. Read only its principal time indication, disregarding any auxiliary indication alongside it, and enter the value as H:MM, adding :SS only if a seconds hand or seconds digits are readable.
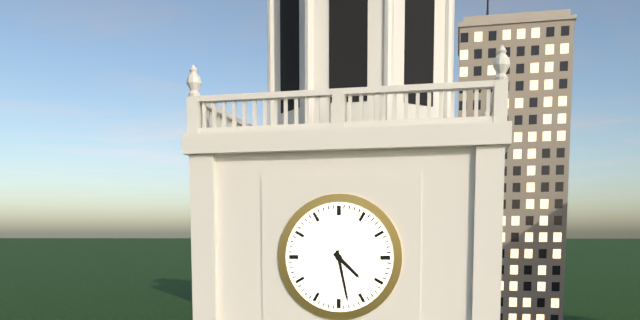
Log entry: 4:28
